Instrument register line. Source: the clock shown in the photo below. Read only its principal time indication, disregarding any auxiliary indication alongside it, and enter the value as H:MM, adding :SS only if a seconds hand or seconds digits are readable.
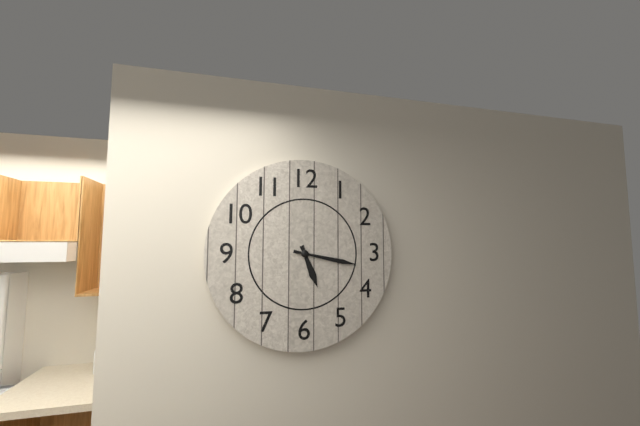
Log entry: 5:17
